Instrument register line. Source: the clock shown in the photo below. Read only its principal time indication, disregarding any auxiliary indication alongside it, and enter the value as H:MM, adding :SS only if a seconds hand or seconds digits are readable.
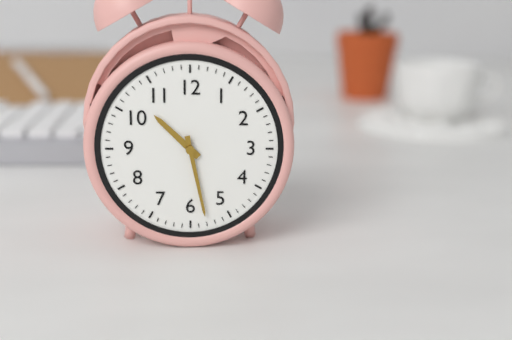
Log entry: 10:28
